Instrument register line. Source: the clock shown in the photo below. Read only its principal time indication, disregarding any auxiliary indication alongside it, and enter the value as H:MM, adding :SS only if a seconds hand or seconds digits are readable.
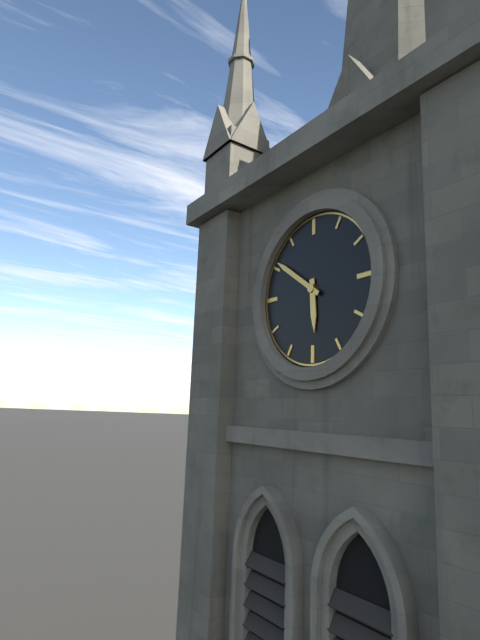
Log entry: 5:51
